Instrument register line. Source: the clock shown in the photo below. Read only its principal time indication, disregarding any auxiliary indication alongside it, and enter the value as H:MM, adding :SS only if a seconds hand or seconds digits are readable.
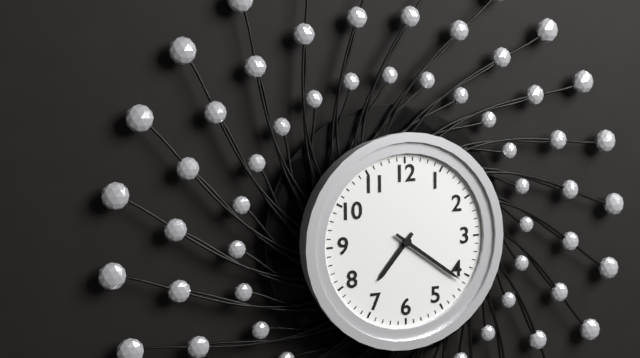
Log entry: 7:21
